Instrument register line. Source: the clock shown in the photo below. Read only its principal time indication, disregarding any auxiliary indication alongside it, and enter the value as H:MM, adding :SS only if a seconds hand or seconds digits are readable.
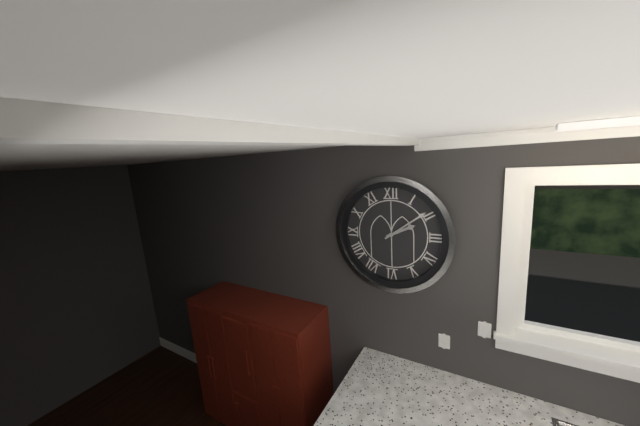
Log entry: 2:09
